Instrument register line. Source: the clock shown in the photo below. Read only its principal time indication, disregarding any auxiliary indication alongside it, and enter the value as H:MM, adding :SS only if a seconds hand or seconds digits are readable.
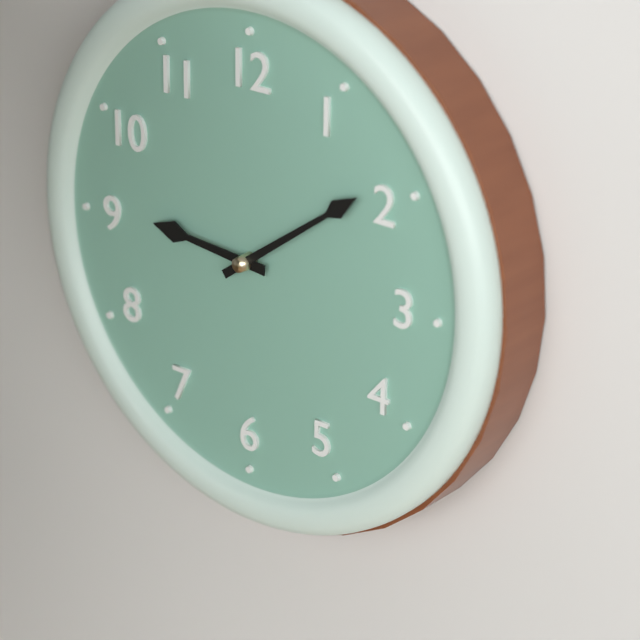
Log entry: 9:09
